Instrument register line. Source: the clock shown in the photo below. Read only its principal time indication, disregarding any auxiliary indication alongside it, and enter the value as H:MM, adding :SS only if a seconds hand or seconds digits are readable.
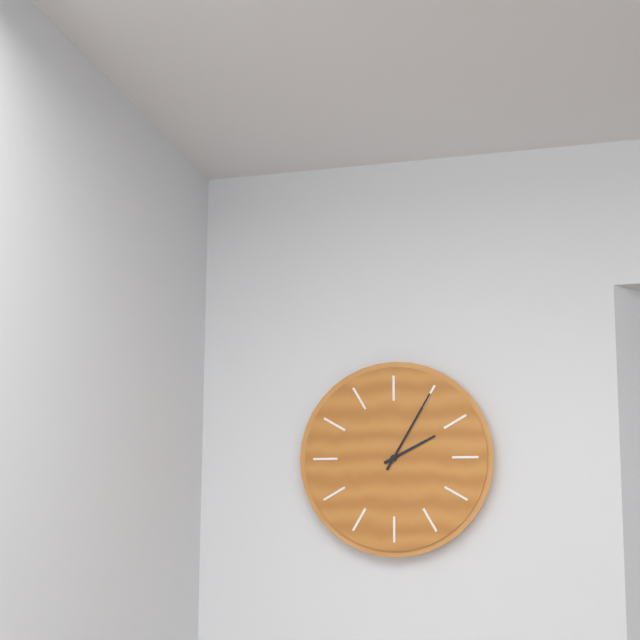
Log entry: 2:05
